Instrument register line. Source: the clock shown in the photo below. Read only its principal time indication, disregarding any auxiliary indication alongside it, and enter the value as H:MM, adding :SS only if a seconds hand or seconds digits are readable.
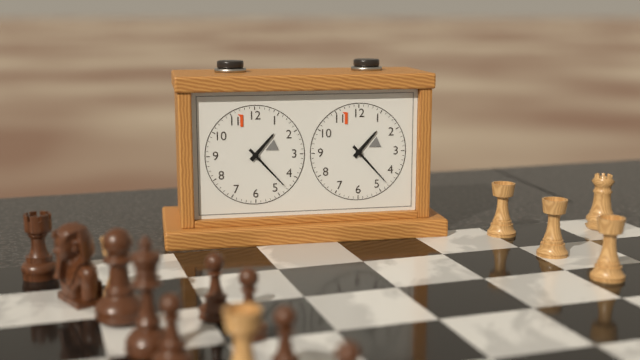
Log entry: 1:23
